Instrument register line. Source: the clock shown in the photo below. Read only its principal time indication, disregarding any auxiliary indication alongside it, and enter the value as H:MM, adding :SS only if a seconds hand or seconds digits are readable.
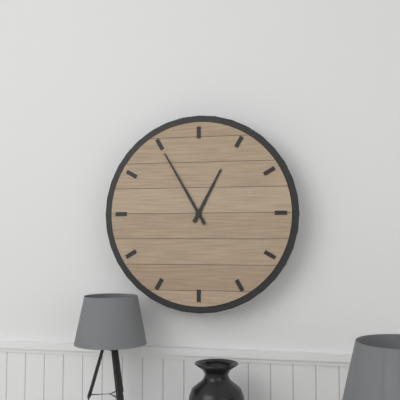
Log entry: 12:55
